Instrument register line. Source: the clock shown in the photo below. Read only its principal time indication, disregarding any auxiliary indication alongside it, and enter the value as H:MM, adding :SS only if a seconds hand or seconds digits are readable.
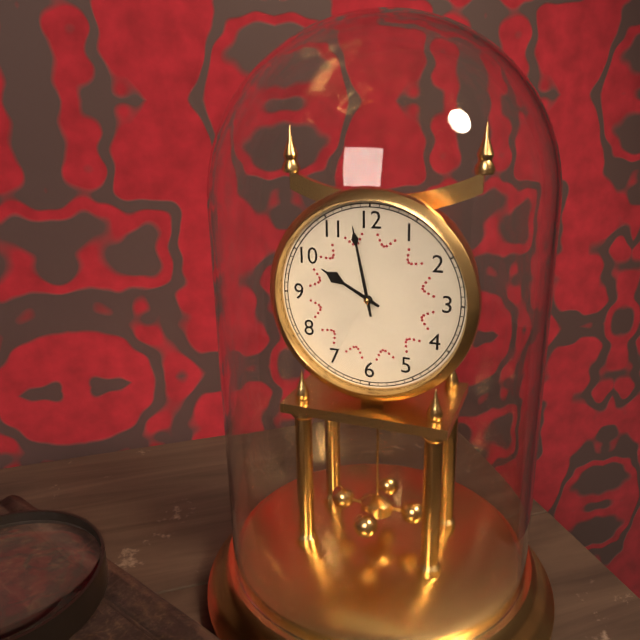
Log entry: 9:58
